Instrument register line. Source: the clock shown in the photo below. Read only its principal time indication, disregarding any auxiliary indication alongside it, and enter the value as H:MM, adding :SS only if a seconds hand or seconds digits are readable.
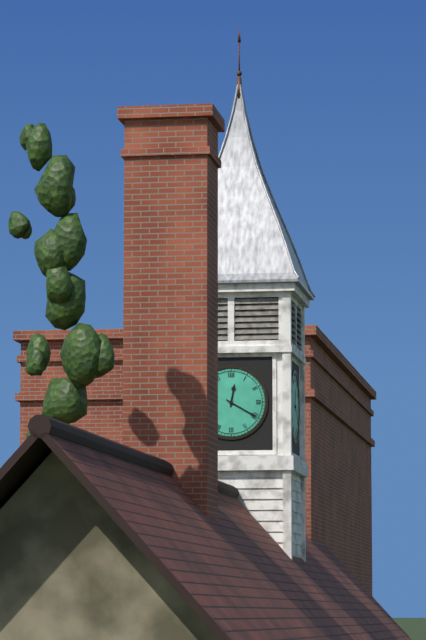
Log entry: 12:20
